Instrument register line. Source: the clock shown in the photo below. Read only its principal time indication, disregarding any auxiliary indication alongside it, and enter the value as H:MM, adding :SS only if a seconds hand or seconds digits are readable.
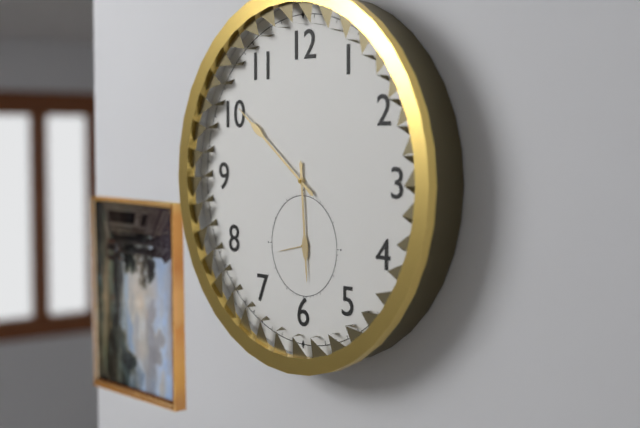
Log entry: 5:51
